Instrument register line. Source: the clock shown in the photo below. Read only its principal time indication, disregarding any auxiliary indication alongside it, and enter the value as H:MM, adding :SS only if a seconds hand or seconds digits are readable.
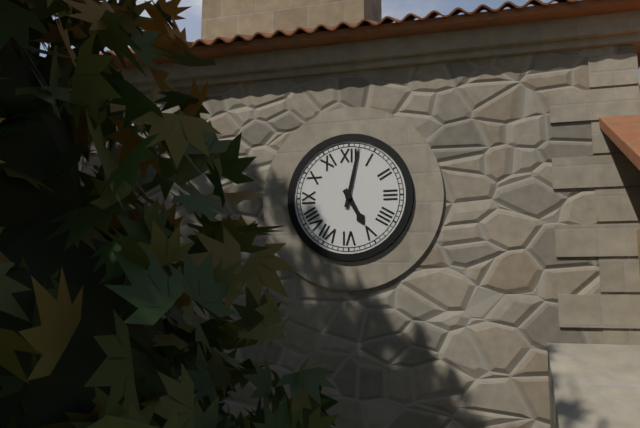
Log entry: 5:02
